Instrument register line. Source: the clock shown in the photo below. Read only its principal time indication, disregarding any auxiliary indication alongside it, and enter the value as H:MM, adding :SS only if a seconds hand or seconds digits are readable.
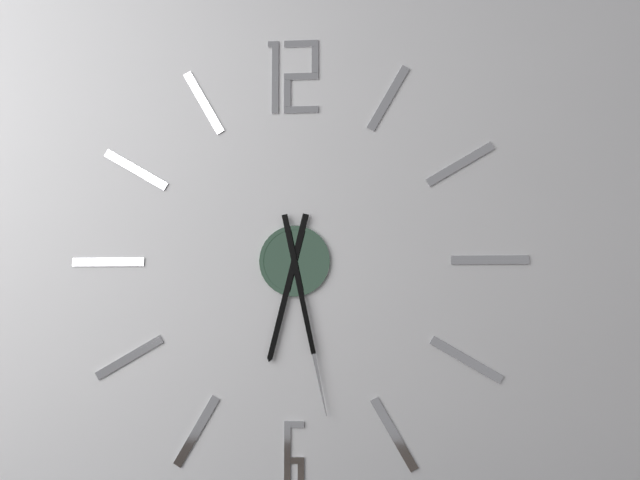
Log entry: 6:28
